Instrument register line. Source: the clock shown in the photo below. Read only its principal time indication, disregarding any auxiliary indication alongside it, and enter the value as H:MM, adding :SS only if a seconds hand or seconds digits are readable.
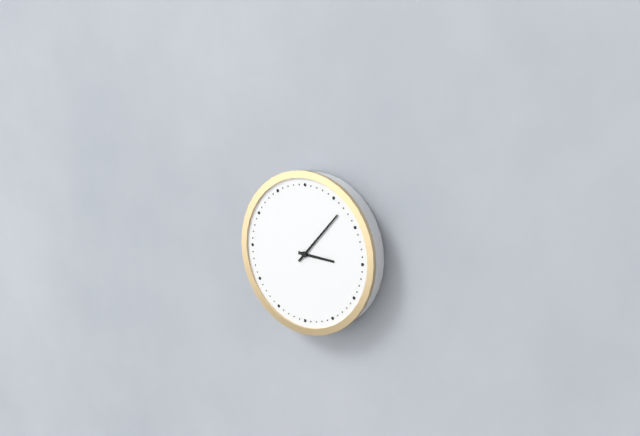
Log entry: 3:07
